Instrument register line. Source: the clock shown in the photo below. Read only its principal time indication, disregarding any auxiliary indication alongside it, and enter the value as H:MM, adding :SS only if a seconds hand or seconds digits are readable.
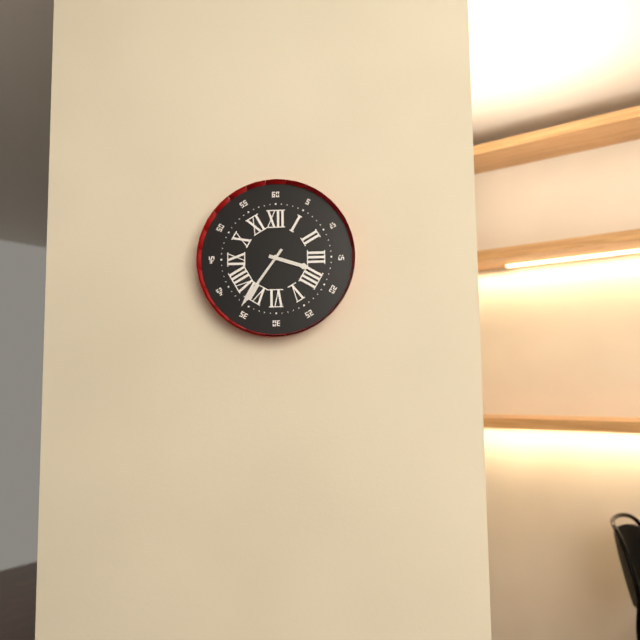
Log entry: 3:36
